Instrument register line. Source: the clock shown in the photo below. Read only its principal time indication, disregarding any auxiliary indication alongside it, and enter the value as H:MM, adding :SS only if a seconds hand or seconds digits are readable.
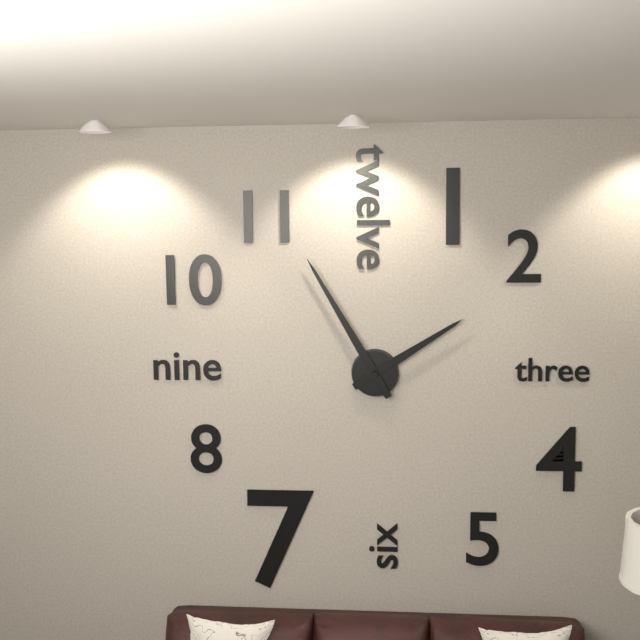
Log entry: 1:55
